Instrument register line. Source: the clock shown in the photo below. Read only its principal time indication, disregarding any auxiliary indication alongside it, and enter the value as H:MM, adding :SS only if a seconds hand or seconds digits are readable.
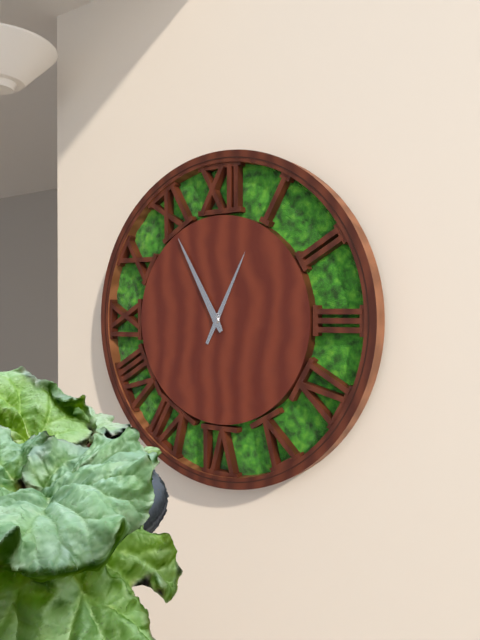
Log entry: 12:55
